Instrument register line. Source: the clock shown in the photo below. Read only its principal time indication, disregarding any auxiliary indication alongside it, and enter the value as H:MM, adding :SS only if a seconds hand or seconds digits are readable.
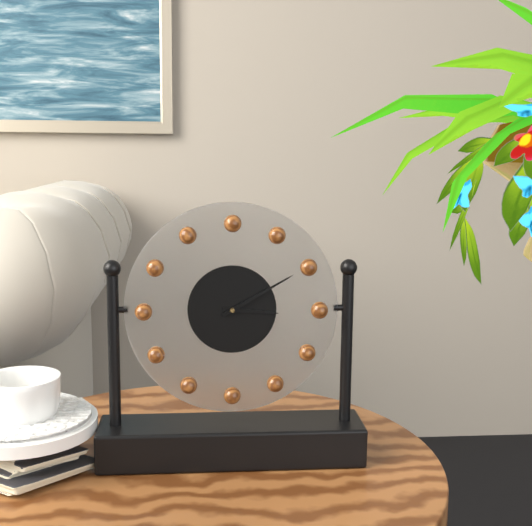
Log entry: 3:10
